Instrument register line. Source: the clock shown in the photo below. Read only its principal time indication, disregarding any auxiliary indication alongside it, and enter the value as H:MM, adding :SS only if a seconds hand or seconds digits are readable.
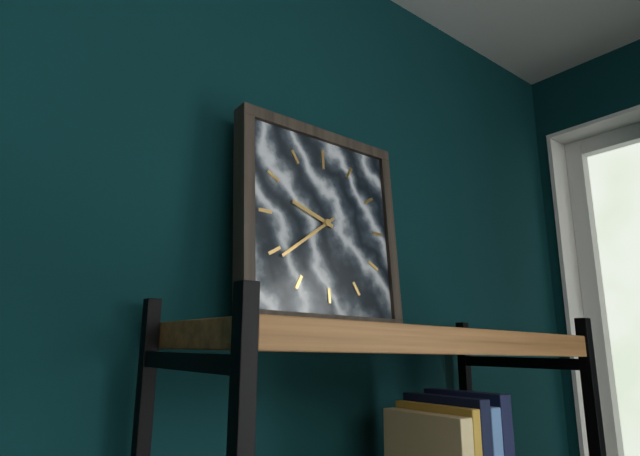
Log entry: 9:39
